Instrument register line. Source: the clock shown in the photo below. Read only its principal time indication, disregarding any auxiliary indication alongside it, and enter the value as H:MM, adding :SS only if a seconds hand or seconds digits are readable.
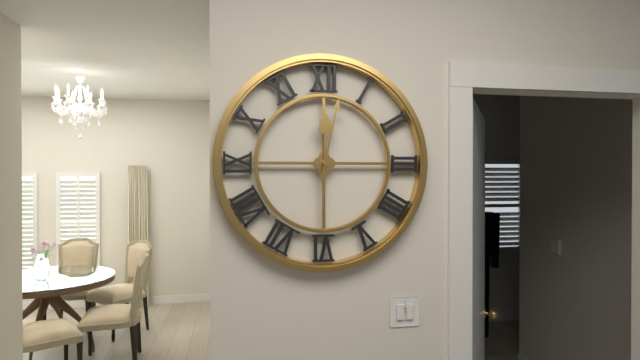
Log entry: 12:02
